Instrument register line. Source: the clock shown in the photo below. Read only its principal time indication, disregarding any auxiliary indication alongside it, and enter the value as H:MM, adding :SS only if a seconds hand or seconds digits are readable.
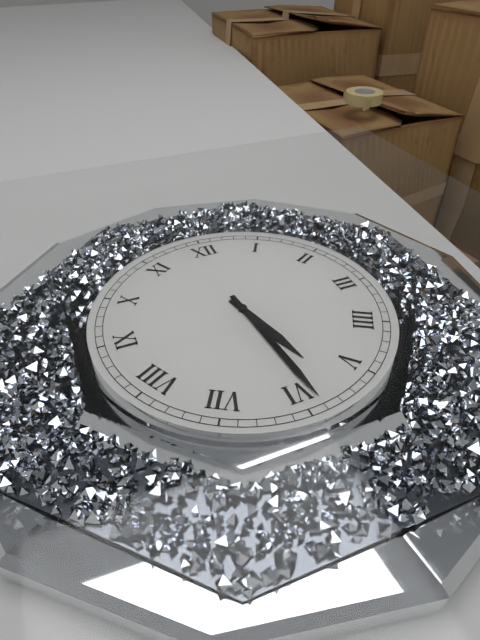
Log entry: 5:29
